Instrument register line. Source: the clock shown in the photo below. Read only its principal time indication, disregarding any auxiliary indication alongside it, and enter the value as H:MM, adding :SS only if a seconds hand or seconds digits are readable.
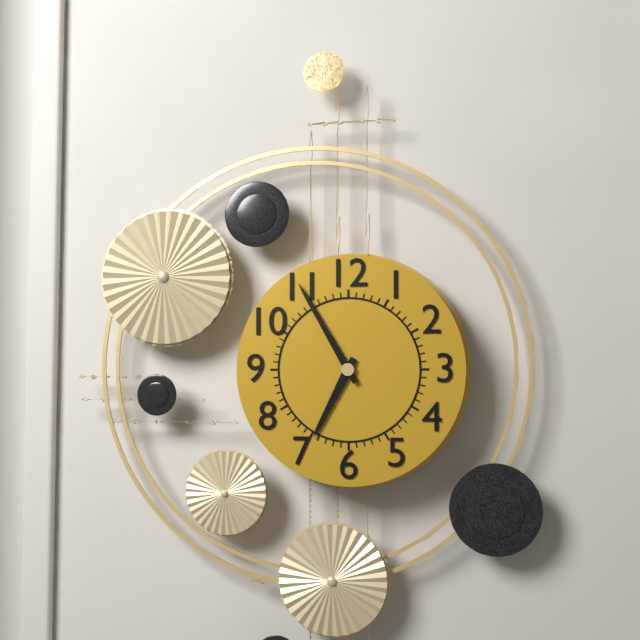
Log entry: 6:55
